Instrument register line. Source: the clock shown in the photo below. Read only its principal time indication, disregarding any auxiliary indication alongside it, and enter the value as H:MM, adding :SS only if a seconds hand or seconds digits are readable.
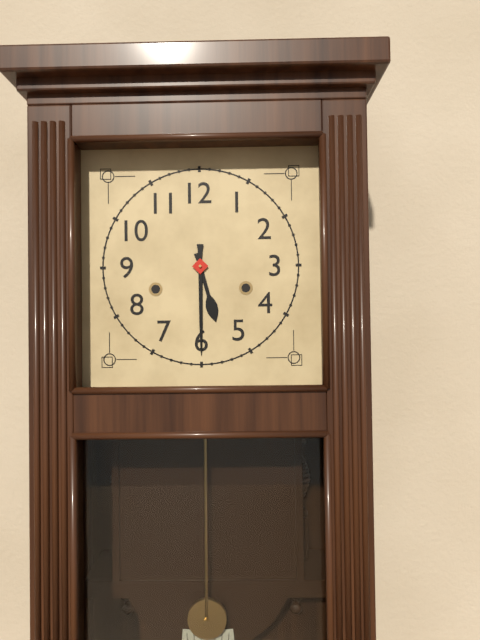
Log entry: 5:30
